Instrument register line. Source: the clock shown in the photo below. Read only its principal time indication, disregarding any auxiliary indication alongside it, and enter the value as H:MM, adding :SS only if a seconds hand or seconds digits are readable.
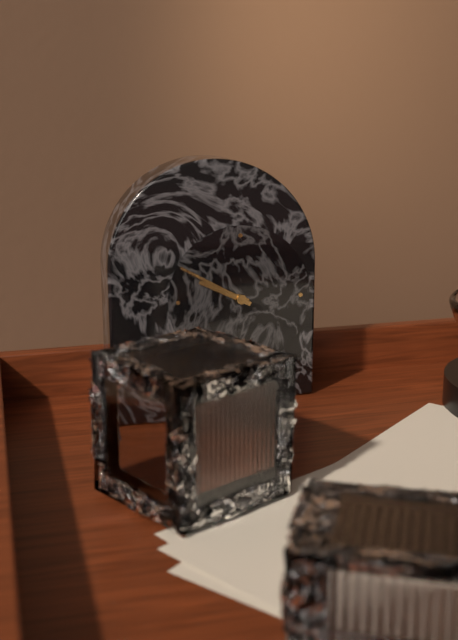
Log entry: 9:50
